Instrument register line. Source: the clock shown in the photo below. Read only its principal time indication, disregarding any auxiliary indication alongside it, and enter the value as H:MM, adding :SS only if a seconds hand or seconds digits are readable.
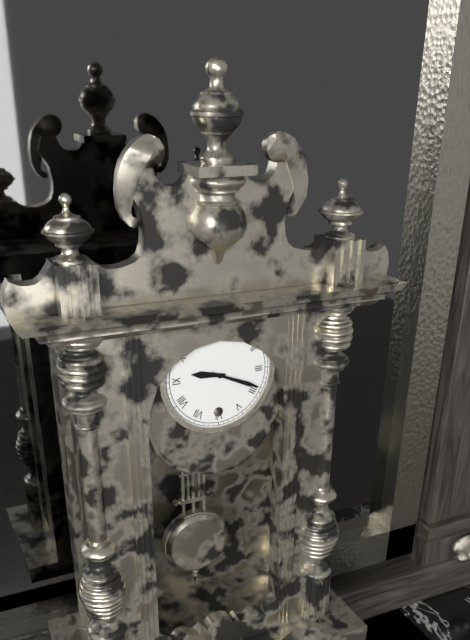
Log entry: 9:19
